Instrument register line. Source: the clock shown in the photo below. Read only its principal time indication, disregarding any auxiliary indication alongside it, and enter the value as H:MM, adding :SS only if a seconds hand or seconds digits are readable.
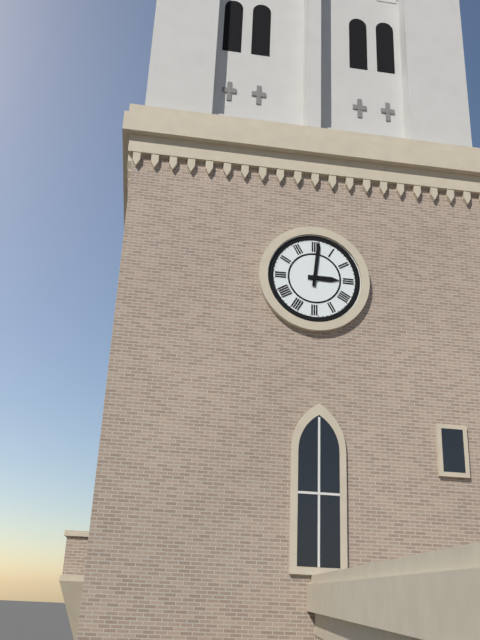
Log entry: 3:01
